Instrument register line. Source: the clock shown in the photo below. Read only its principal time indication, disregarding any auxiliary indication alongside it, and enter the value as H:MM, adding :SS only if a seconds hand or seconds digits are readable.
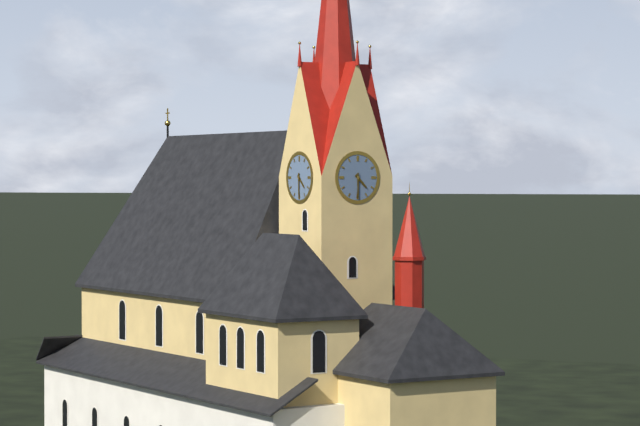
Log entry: 4:30
